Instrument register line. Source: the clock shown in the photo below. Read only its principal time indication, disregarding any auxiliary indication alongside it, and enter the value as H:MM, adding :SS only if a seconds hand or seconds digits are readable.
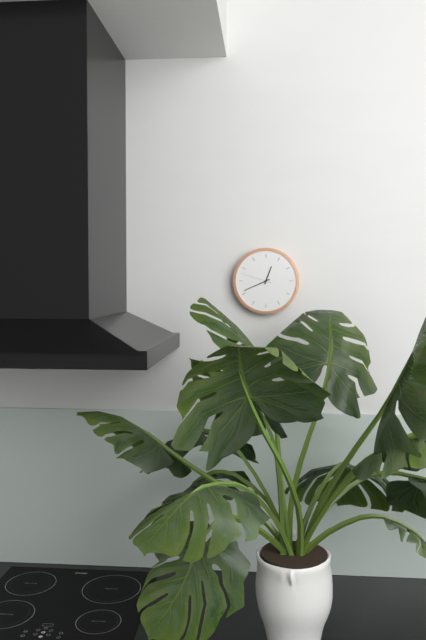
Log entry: 12:41
